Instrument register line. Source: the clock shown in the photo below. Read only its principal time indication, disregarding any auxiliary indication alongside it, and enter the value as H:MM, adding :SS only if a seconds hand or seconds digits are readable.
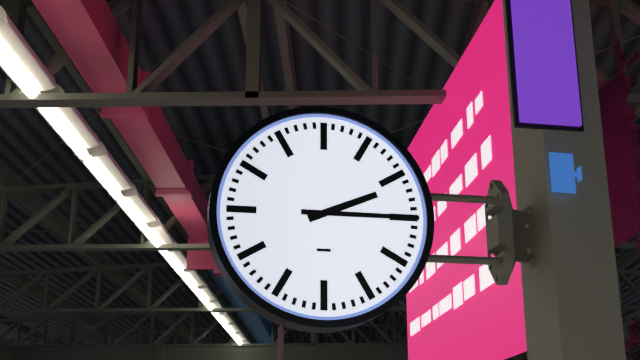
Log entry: 2:15
